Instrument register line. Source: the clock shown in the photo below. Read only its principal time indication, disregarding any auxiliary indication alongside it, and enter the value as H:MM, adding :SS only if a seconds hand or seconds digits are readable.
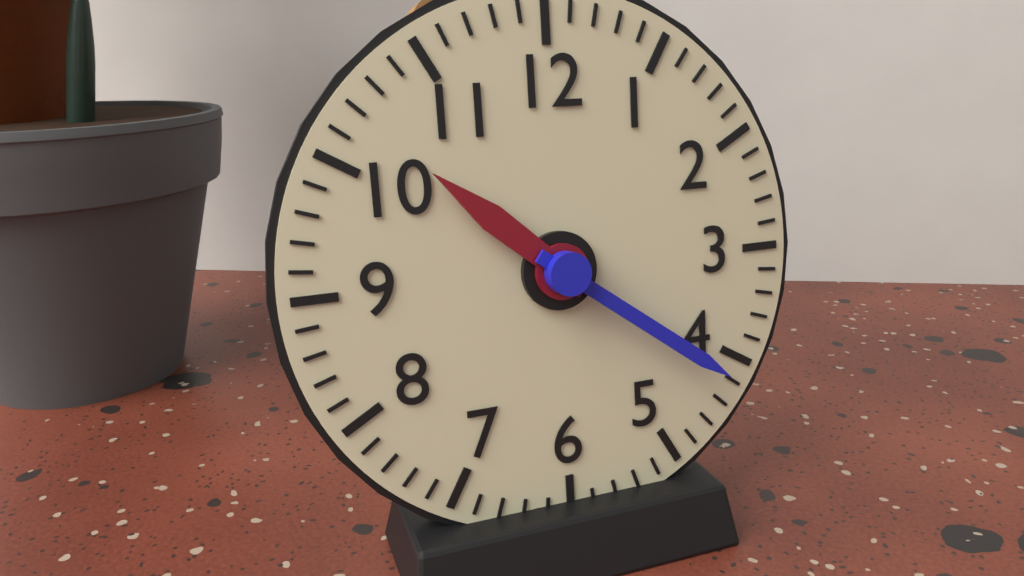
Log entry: 10:21
